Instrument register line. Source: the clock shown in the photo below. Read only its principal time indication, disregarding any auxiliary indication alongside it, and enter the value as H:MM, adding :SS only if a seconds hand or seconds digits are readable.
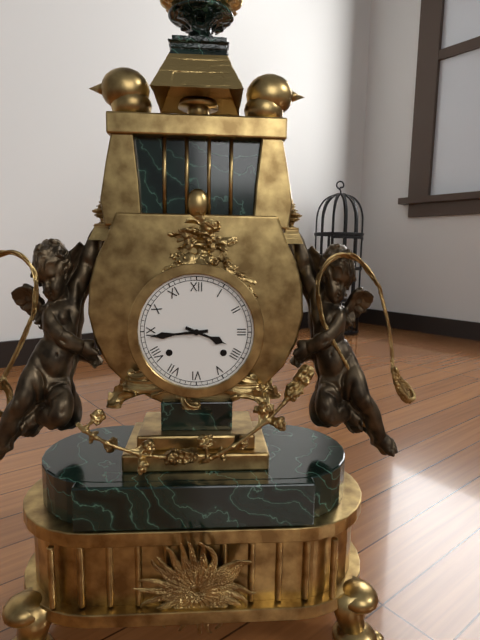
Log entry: 3:44
